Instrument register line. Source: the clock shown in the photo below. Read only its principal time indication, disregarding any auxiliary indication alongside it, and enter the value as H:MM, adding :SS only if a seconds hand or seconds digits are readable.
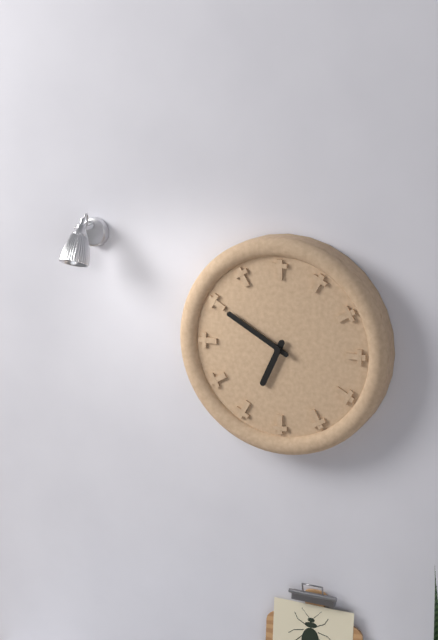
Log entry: 6:50
